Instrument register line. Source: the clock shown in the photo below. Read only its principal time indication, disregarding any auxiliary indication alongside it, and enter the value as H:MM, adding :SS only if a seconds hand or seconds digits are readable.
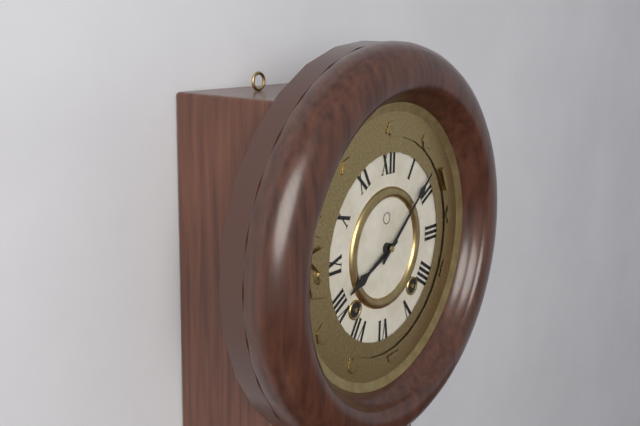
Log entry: 8:08
